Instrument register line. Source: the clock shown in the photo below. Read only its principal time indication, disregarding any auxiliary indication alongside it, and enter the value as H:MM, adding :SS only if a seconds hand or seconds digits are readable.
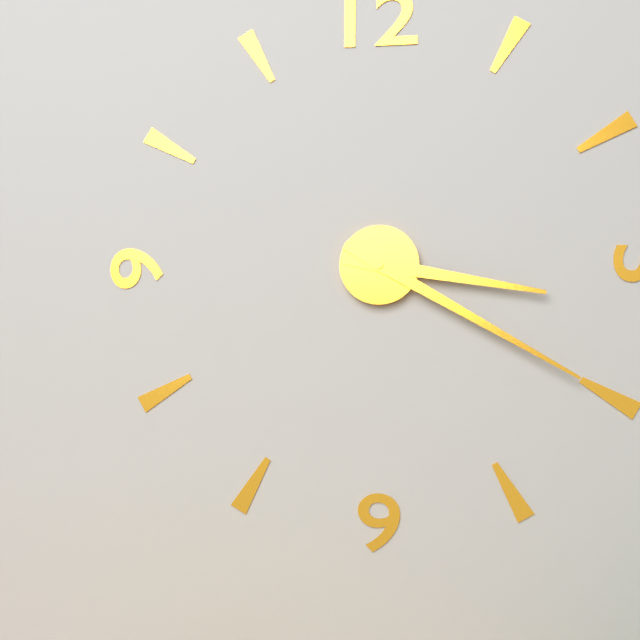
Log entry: 3:20
